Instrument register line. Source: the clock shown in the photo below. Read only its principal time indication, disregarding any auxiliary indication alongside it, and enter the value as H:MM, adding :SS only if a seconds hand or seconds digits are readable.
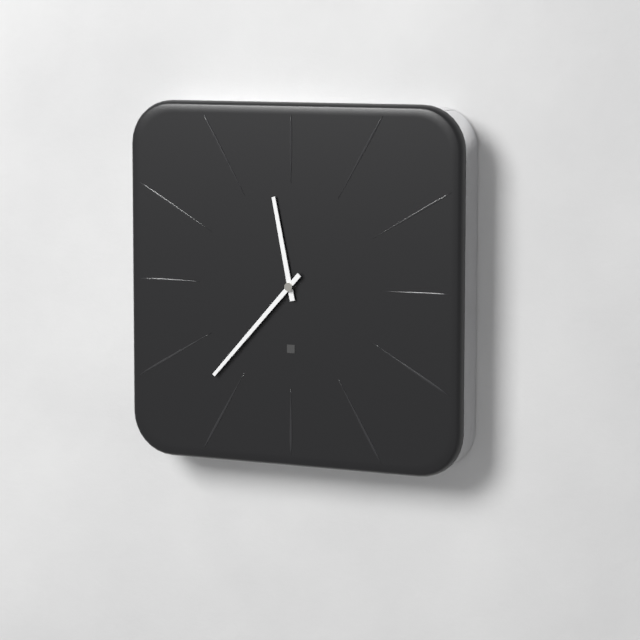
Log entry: 11:37
